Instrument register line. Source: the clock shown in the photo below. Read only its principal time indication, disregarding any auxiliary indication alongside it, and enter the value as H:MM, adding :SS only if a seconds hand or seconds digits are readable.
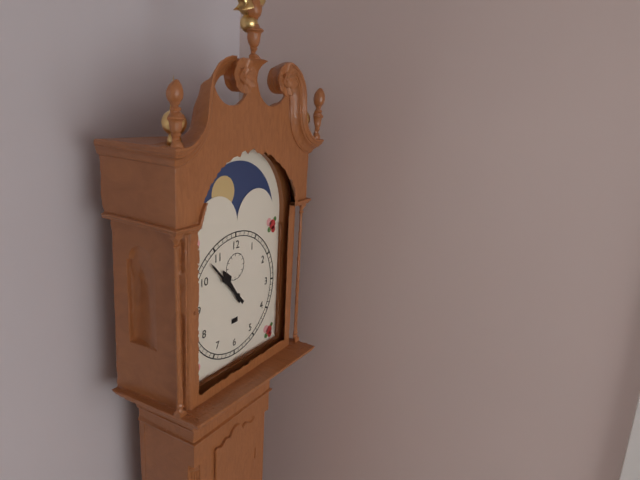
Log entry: 10:53
